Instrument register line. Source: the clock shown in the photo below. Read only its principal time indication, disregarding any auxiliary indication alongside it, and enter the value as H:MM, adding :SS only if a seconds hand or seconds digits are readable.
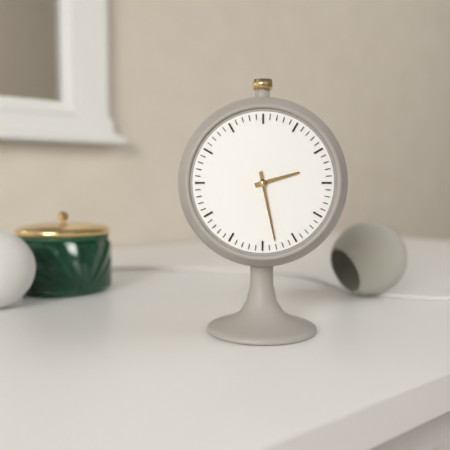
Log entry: 2:28
